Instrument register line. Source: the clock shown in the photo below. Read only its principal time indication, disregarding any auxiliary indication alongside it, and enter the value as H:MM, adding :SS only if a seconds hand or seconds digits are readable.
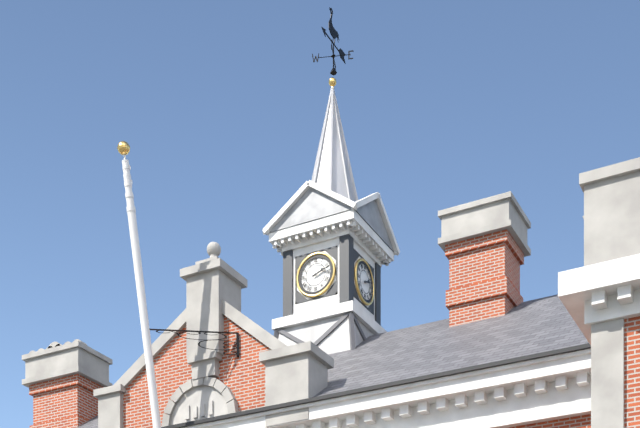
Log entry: 2:12
